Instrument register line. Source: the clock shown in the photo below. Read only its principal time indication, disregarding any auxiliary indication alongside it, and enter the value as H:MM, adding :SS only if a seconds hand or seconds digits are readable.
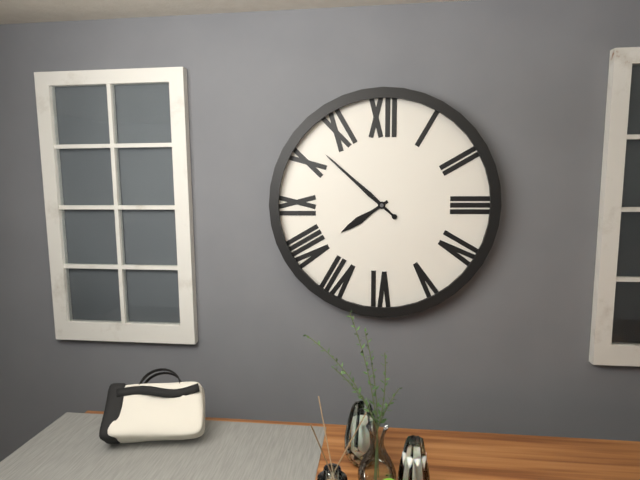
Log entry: 7:52
